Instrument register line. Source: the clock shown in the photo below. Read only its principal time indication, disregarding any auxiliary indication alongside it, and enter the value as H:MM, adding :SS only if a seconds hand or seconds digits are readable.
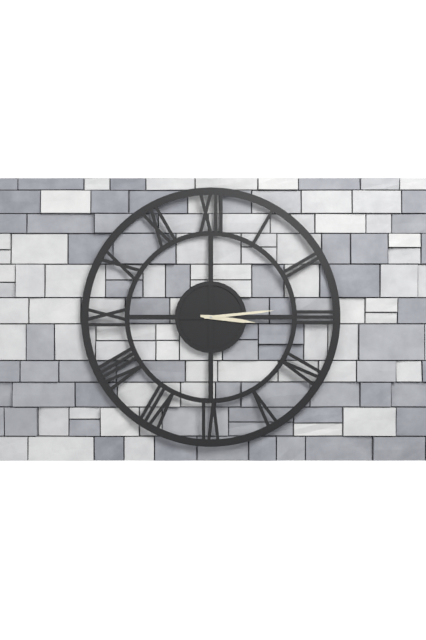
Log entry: 3:14
